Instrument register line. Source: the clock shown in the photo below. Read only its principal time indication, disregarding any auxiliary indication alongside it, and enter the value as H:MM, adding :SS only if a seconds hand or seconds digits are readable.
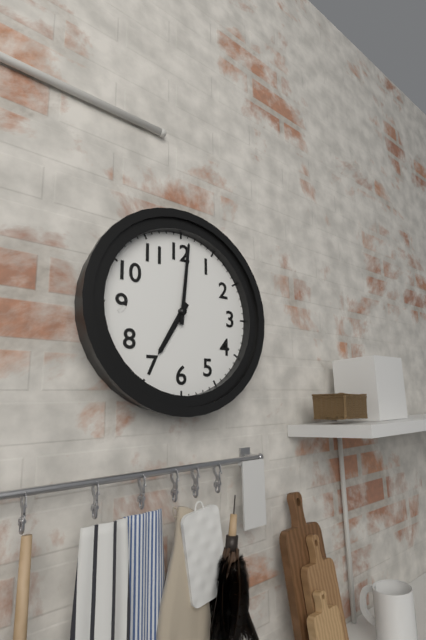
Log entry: 7:01
